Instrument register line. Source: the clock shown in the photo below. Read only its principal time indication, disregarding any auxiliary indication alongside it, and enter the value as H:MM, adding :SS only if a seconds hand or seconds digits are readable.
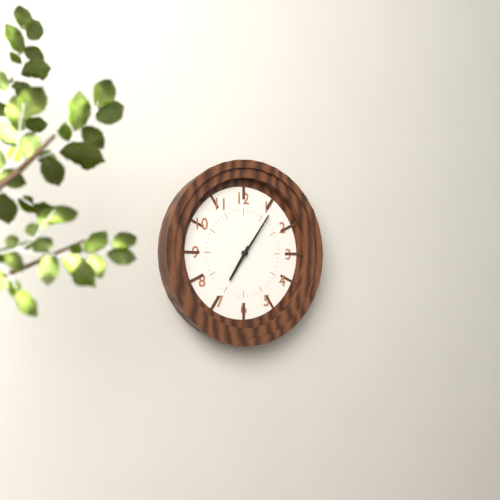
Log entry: 7:06
